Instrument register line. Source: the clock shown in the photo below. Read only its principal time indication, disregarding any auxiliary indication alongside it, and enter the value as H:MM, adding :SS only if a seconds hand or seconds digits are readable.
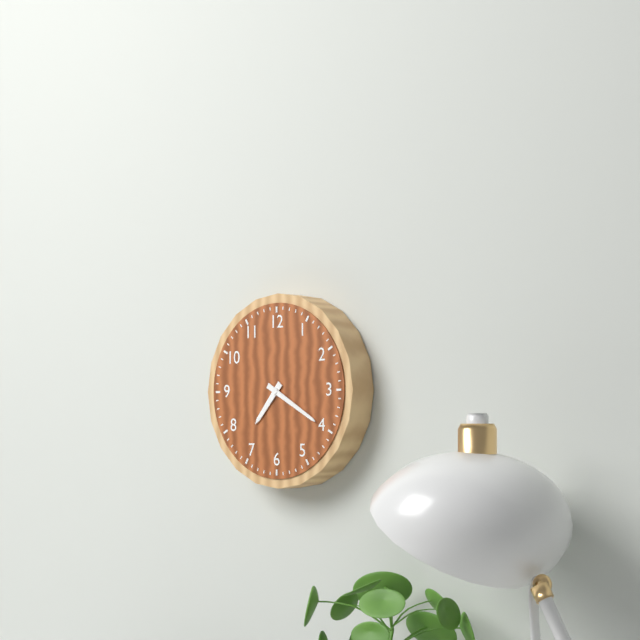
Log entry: 7:20
